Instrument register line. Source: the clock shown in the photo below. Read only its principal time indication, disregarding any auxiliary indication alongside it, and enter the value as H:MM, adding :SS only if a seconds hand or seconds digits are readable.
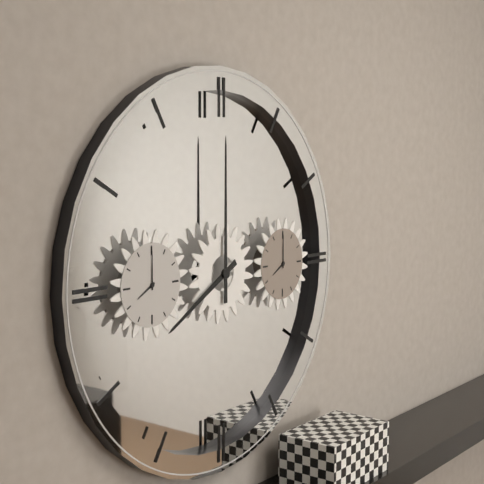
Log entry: 8:00
